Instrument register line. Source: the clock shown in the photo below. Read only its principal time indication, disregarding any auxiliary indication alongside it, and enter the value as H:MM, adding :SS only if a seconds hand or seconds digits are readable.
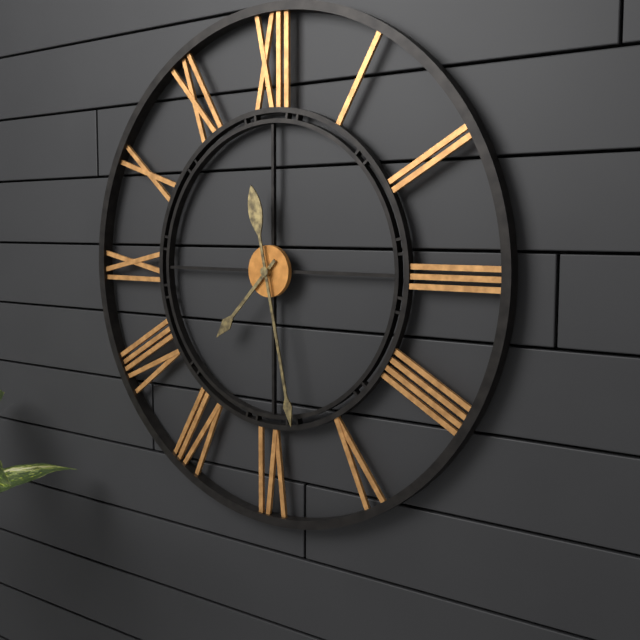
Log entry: 7:28
